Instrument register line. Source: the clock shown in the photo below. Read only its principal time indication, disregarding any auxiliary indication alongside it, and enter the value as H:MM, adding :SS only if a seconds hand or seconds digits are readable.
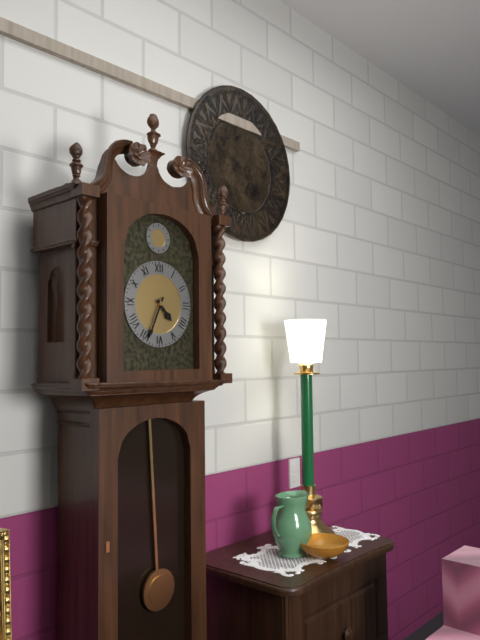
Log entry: 4:34
